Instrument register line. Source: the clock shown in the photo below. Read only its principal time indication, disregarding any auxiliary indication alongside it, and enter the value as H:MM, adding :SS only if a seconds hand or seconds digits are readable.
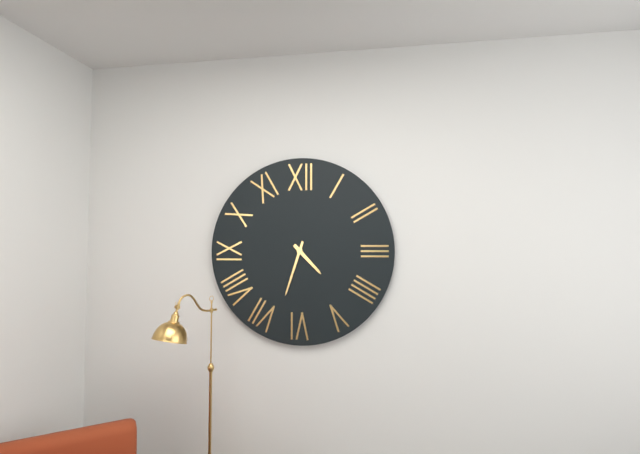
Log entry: 4:33
